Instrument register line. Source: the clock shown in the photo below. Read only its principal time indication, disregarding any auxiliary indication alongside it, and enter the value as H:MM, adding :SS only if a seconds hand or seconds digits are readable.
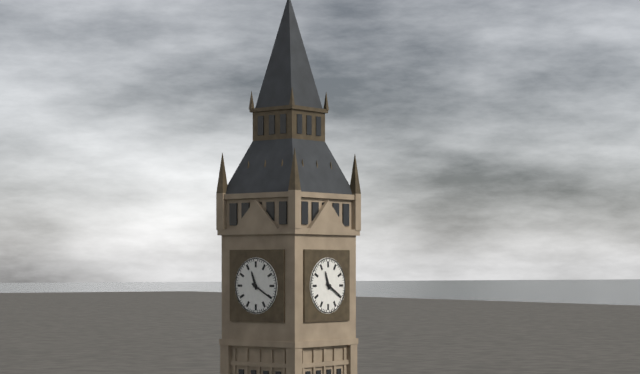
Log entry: 11:20
